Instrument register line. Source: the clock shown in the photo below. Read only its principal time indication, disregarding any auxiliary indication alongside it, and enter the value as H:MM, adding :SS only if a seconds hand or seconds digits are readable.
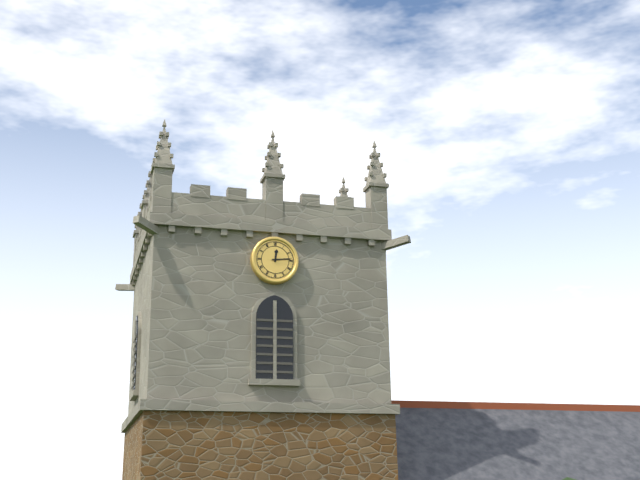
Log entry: 12:14
